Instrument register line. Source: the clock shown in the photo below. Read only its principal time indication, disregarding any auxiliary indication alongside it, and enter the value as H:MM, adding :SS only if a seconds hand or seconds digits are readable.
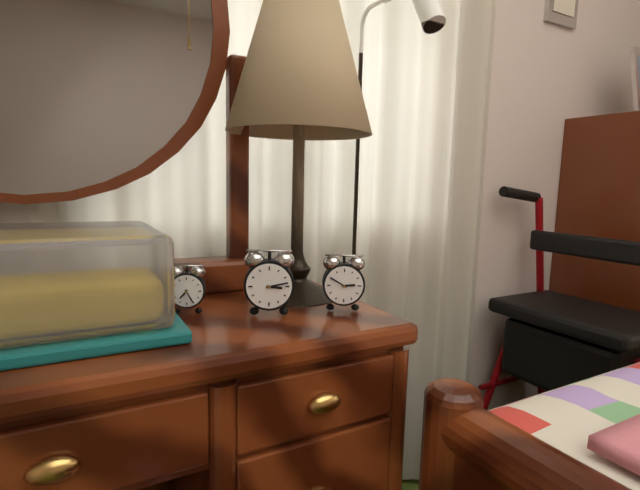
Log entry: 3:13
